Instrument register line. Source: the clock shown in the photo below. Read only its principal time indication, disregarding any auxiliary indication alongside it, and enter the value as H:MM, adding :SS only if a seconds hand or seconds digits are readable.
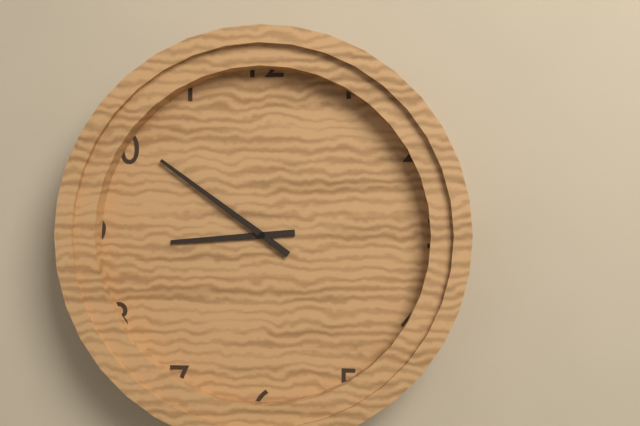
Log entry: 8:51
